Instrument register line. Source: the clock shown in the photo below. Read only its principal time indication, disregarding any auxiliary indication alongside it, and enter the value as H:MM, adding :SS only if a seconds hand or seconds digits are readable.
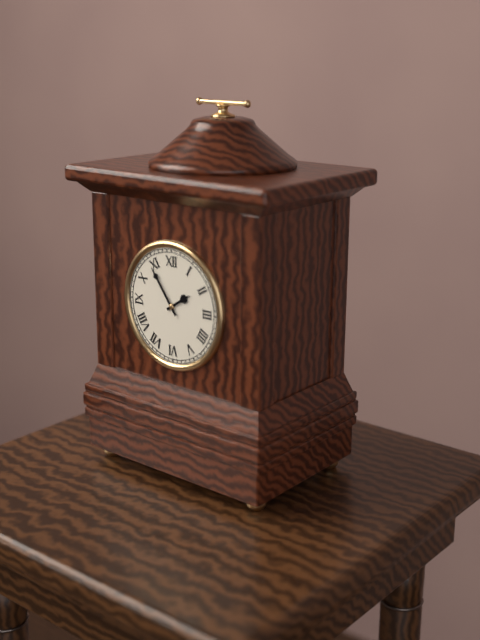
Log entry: 1:54
